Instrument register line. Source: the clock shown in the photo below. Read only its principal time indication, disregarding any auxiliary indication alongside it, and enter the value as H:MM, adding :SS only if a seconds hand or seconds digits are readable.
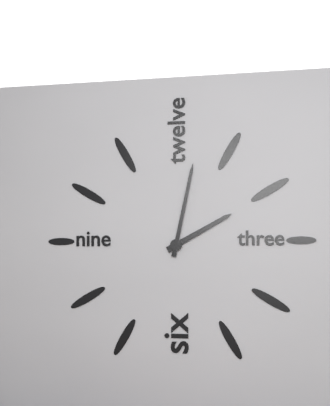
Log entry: 2:02
